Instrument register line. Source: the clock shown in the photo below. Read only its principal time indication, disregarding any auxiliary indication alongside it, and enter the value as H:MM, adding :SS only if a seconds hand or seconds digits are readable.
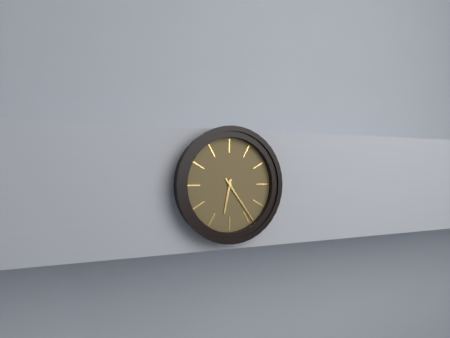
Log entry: 6:24
